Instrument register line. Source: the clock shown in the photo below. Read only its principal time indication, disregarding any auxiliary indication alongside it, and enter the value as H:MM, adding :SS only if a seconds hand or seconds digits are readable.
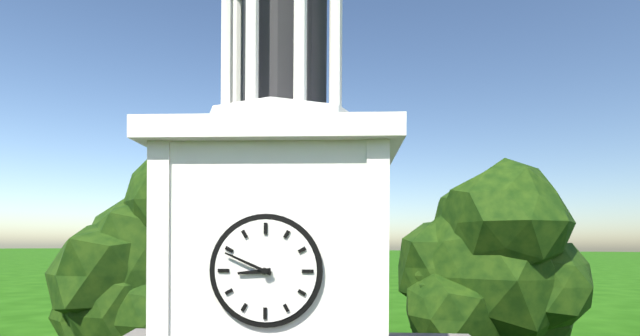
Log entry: 8:49
